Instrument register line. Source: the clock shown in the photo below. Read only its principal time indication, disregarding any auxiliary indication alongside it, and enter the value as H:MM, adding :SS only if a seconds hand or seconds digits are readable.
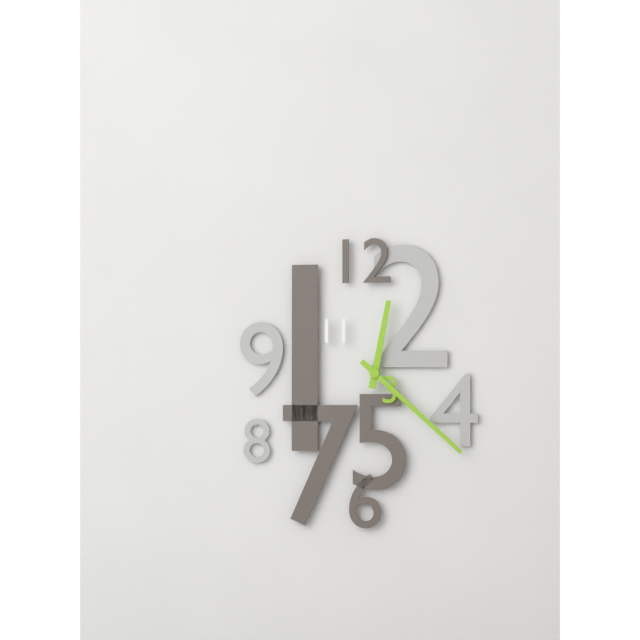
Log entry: 12:22
